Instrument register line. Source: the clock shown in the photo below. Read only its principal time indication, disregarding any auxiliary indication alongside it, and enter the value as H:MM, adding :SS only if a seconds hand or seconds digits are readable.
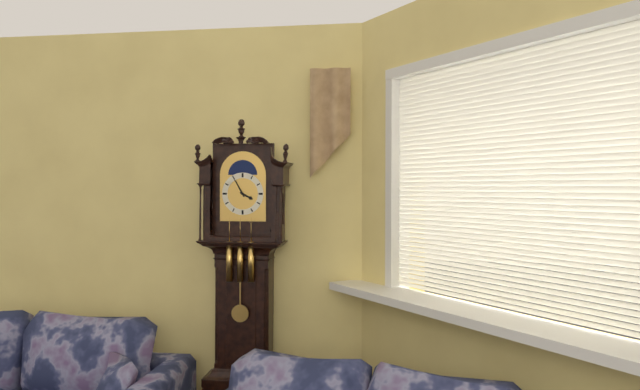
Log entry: 3:55
